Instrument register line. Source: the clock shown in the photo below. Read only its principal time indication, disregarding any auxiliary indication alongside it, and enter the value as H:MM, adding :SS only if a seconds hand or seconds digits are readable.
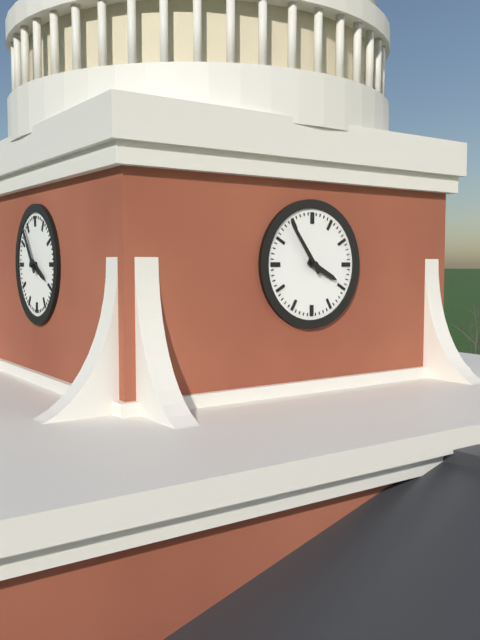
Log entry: 3:54
